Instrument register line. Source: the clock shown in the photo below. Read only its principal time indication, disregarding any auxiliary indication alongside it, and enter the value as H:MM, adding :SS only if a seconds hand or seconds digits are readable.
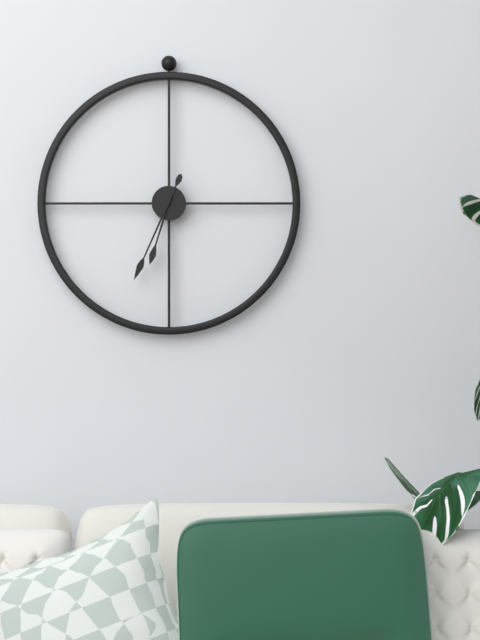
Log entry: 6:34
